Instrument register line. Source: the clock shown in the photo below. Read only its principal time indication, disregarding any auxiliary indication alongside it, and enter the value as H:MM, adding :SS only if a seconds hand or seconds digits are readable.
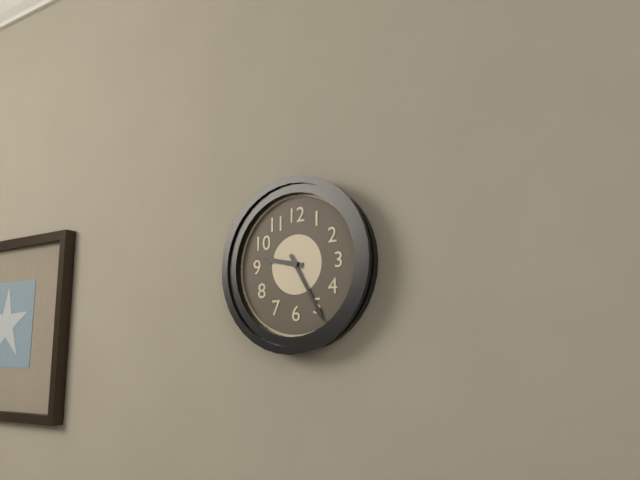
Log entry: 9:25
